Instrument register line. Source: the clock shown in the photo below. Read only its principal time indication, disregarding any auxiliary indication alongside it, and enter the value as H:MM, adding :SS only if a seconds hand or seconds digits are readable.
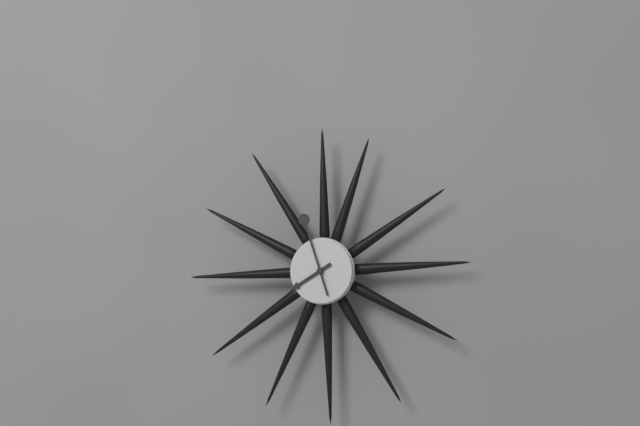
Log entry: 7:57
